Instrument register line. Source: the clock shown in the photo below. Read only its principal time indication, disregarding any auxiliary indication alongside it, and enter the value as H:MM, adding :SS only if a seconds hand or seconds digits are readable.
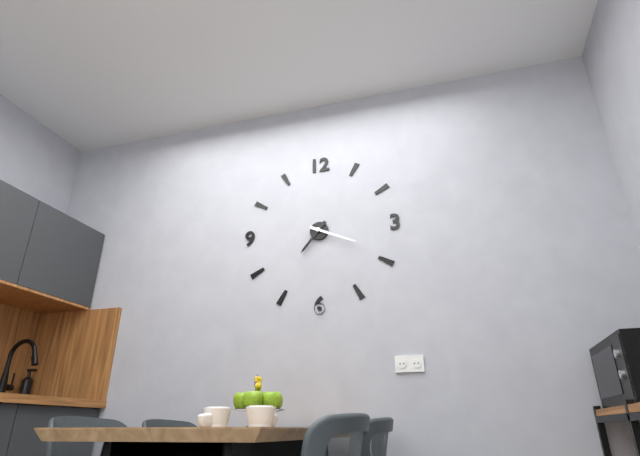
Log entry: 7:19
